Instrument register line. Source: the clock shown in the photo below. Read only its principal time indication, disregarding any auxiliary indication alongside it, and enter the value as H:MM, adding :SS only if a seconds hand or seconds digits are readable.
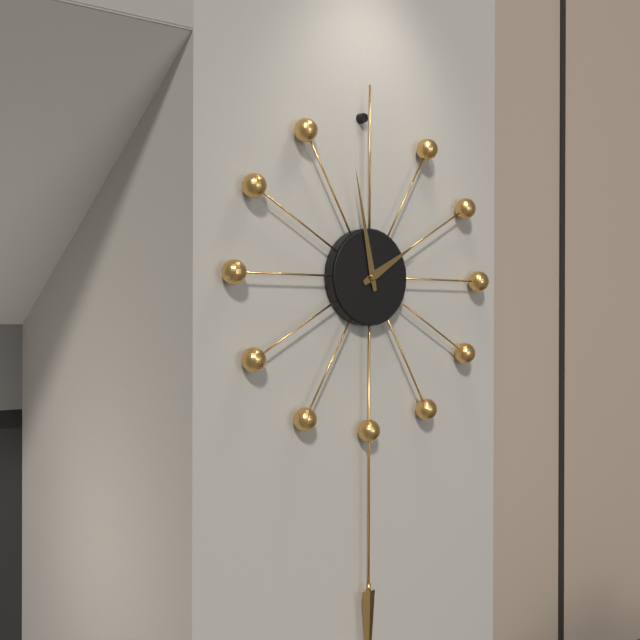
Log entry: 1:58
